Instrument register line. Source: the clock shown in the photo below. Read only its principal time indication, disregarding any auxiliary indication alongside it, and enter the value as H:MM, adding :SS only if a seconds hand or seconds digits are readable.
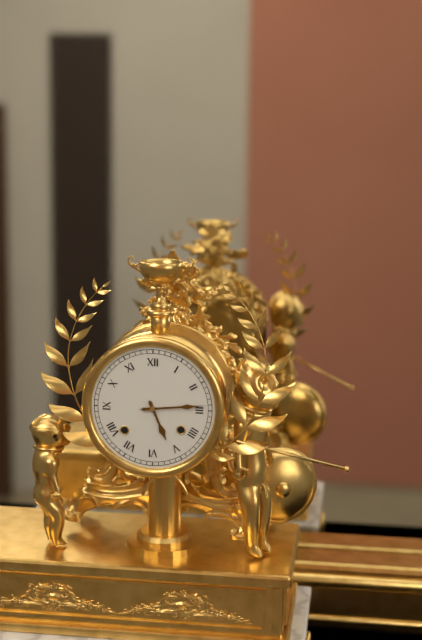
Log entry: 5:14
